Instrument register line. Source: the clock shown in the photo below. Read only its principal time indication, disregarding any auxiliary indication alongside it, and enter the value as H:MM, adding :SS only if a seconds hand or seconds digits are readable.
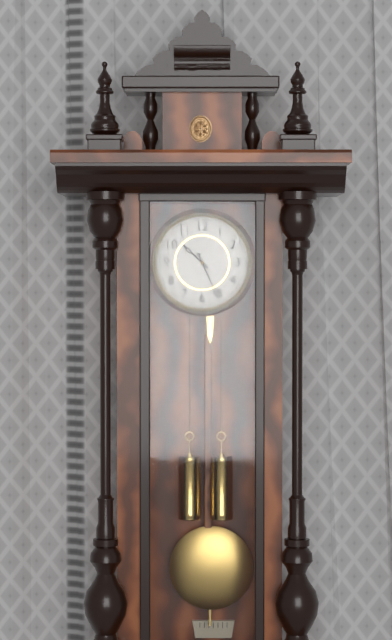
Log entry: 10:26
